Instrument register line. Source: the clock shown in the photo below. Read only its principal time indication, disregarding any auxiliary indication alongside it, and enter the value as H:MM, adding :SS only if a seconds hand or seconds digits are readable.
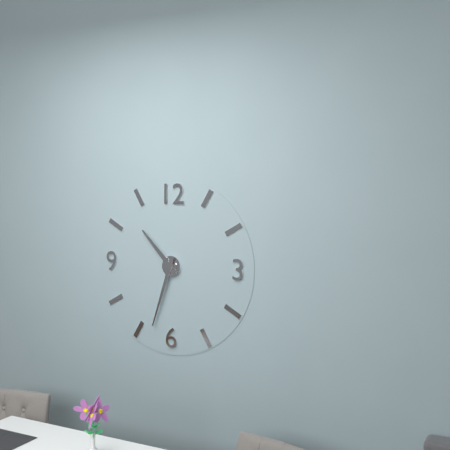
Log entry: 10:33
